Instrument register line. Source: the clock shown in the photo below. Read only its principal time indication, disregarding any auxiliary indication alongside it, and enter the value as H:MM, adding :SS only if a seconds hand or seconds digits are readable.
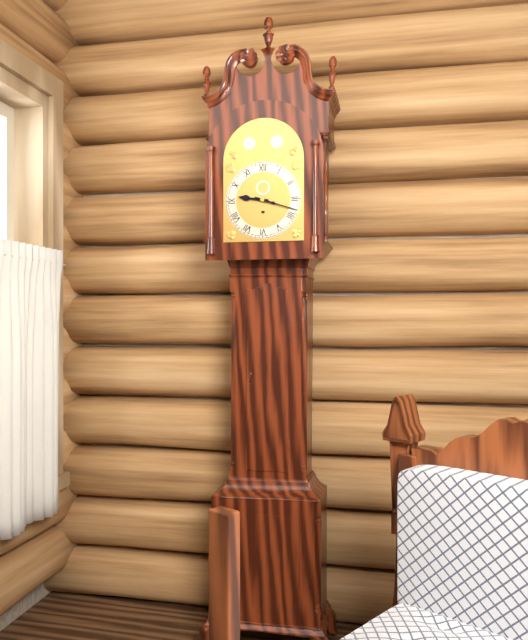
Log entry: 9:18
